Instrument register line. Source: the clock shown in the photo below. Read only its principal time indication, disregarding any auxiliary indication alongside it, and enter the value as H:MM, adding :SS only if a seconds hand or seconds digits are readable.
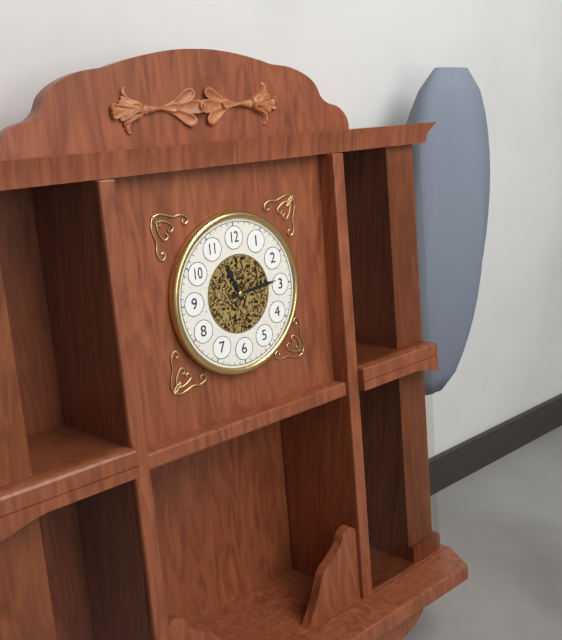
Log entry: 11:14
